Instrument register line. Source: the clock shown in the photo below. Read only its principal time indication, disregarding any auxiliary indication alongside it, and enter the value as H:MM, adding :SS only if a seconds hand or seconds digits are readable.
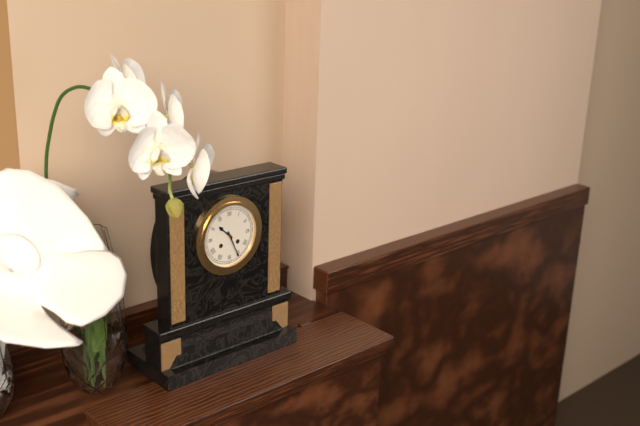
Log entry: 10:26
